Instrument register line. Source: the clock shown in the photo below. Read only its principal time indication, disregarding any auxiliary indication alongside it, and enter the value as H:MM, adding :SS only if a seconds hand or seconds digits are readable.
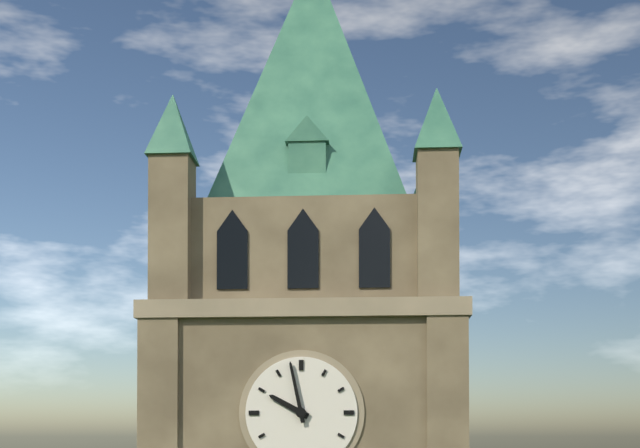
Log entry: 9:58
